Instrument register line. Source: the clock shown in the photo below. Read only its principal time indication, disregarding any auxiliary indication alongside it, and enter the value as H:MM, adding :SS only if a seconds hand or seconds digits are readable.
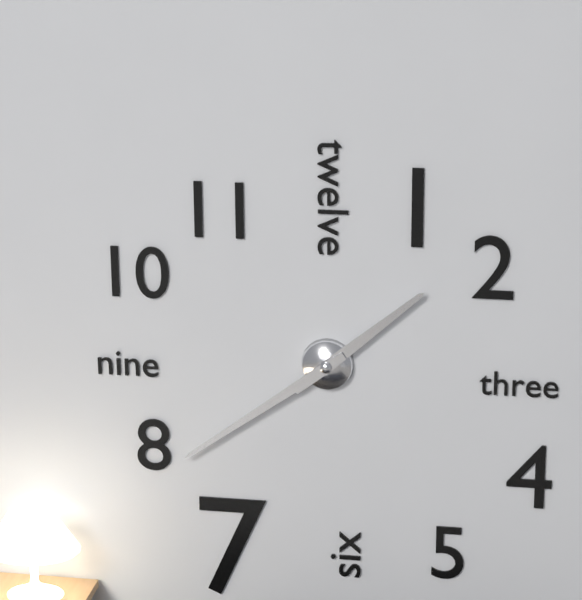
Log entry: 1:39
